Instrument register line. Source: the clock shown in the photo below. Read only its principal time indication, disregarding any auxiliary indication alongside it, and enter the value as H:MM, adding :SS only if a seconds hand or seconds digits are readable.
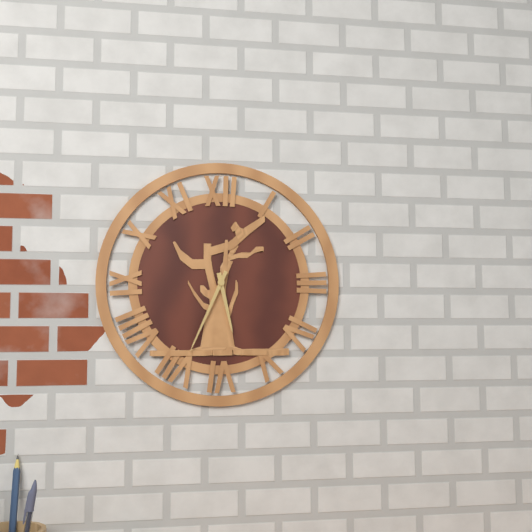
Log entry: 5:34
